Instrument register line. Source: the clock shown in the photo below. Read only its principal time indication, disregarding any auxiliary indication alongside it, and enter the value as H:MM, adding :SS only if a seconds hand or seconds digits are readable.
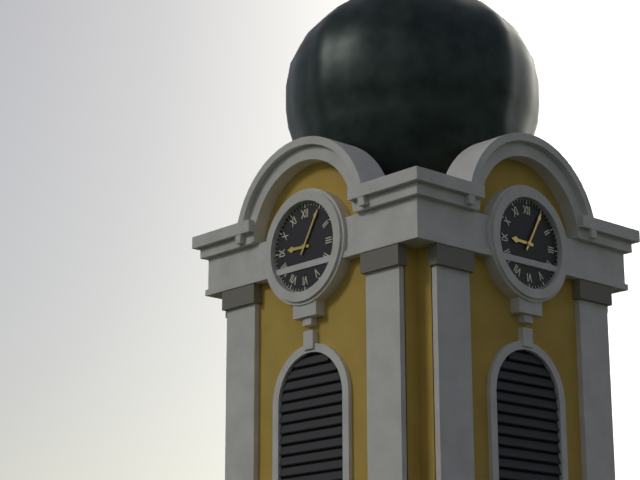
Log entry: 9:05
